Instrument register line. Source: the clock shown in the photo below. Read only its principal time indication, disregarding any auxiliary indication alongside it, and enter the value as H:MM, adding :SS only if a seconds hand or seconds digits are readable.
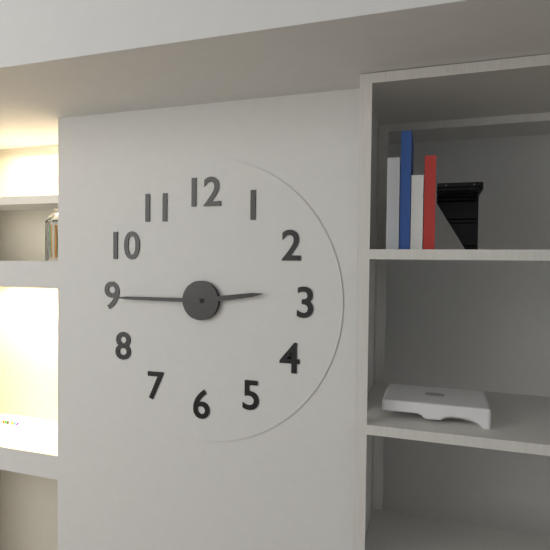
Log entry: 2:45
